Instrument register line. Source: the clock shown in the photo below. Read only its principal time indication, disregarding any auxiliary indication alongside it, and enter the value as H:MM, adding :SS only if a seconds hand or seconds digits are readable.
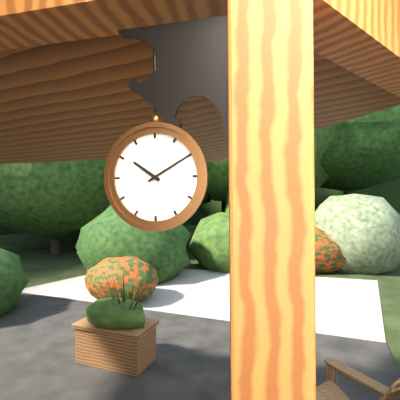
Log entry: 10:10
